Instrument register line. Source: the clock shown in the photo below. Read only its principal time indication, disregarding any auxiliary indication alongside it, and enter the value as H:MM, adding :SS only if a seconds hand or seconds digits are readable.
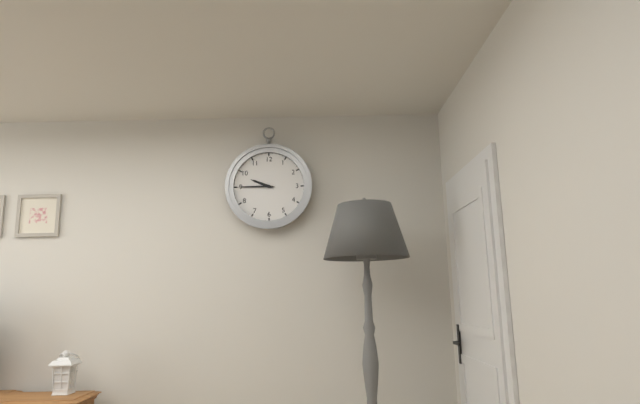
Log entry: 9:45
